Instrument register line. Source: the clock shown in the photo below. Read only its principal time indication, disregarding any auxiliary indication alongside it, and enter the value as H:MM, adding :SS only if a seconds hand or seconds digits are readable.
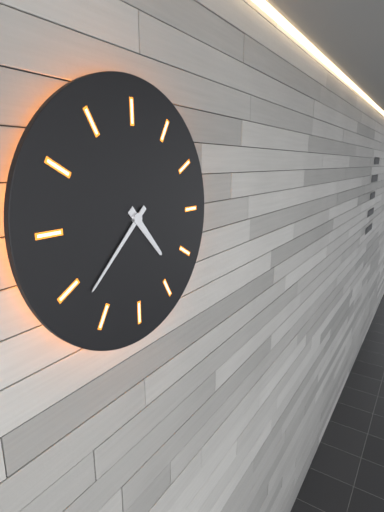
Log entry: 4:38
